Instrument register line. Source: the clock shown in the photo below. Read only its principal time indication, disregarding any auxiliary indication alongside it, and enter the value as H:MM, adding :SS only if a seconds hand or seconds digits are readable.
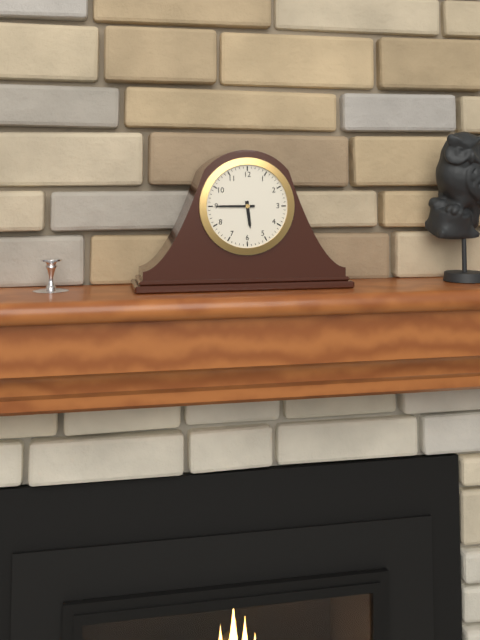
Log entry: 5:45
